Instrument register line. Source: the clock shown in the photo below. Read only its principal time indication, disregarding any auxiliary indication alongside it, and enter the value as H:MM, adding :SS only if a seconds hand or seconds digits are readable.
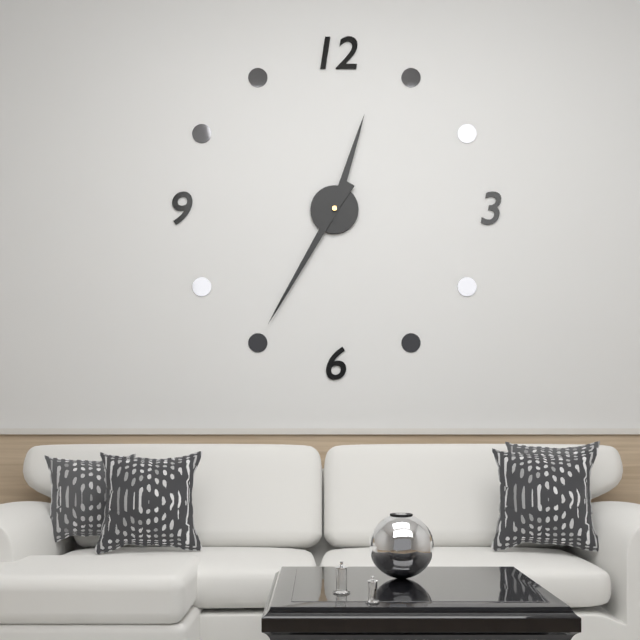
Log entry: 12:35
